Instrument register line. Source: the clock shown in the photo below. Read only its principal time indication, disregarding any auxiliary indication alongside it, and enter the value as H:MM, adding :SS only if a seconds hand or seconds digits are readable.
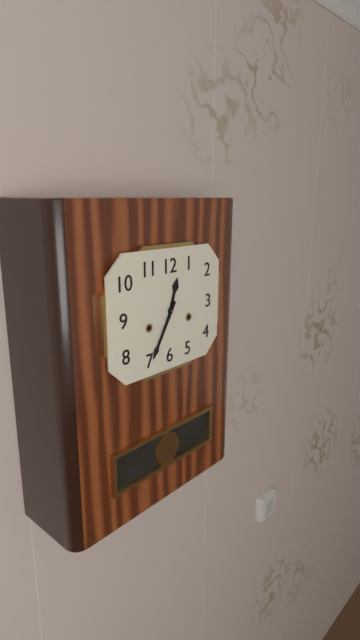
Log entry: 12:35
